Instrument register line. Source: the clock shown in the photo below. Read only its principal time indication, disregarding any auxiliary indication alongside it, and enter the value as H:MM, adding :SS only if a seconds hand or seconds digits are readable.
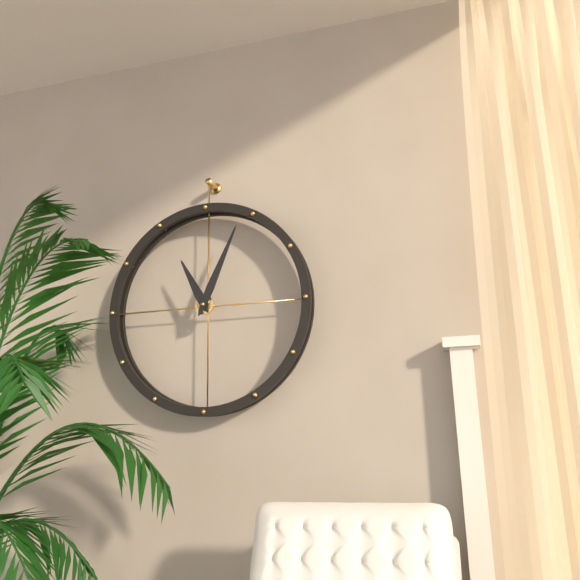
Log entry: 11:04
